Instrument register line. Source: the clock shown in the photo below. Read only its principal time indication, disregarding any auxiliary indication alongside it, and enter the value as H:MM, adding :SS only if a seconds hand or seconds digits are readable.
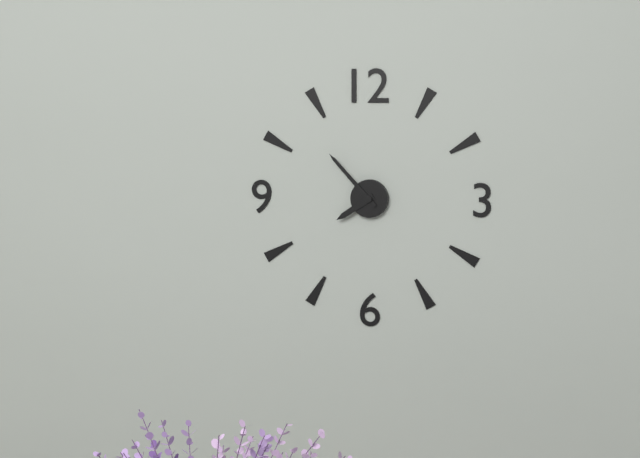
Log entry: 7:53
